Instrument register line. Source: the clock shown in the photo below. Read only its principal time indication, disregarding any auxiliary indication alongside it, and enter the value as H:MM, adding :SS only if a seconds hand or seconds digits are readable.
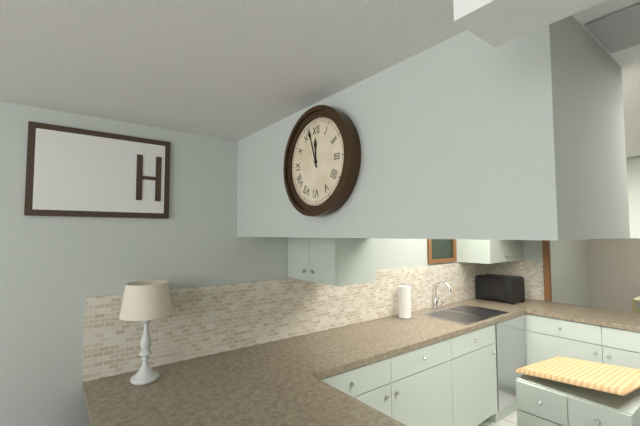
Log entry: 11:57
